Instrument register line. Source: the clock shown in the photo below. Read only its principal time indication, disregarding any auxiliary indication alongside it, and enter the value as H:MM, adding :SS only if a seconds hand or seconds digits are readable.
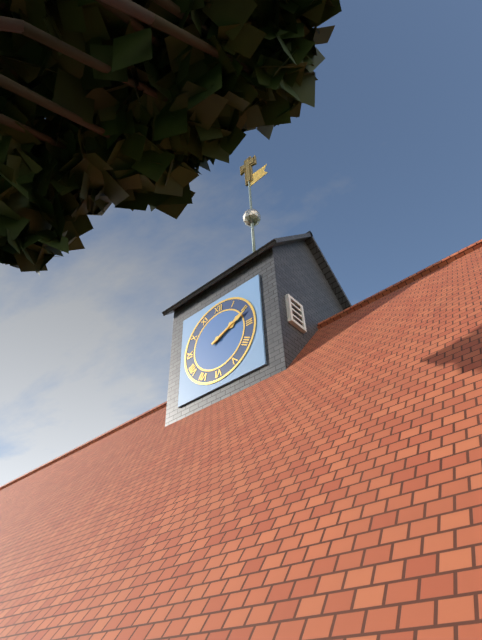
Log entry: 2:11
